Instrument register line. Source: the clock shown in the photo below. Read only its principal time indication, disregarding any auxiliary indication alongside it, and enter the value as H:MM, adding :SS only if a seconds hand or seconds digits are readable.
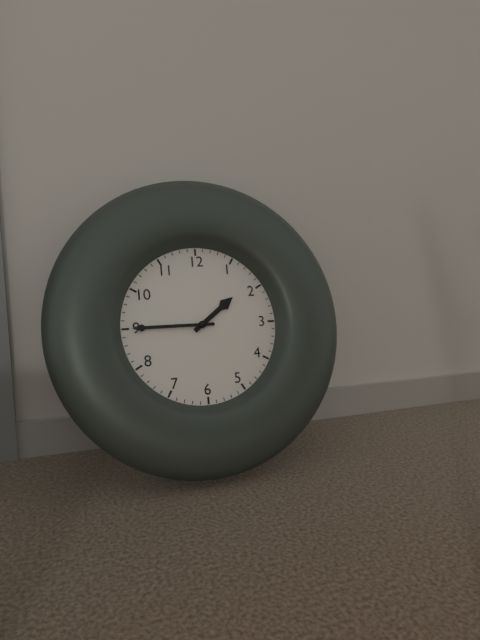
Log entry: 1:45
